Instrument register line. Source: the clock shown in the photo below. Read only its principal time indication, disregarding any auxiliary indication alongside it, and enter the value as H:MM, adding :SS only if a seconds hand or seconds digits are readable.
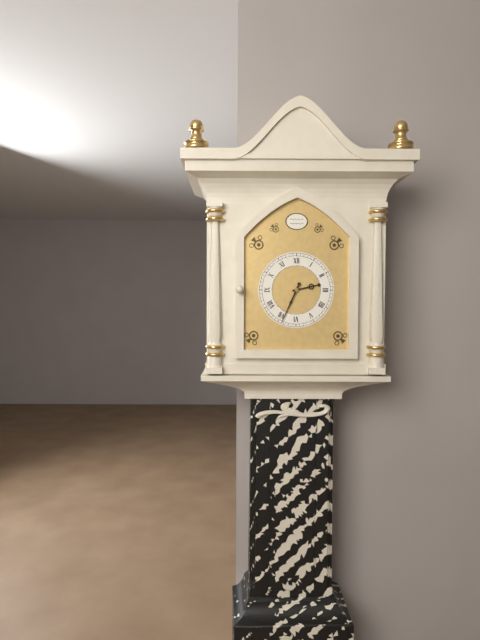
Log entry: 2:34
